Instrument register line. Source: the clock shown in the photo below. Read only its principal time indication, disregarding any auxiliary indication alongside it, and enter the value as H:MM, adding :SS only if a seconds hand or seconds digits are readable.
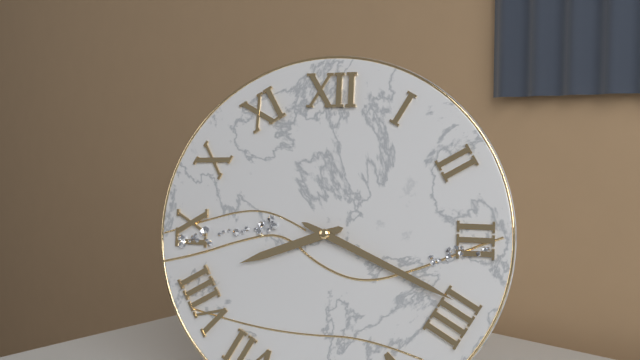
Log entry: 8:19
